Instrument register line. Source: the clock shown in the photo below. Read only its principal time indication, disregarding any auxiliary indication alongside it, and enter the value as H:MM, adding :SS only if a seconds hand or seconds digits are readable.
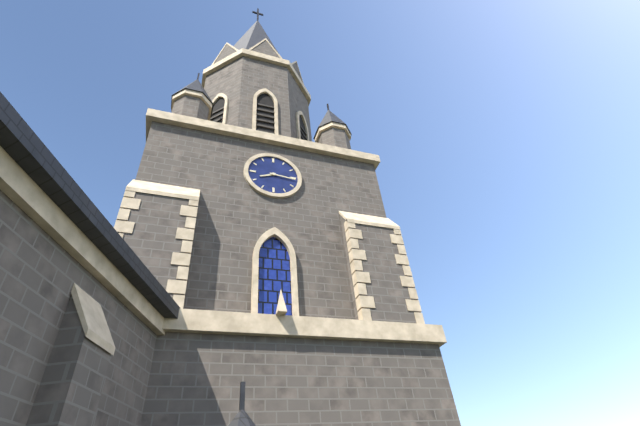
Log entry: 8:16
